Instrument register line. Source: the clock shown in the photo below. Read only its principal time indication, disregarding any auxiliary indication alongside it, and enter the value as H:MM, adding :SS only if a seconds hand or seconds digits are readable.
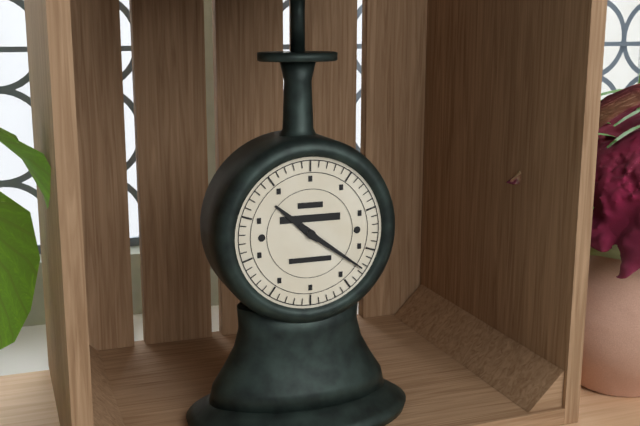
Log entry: 10:21
